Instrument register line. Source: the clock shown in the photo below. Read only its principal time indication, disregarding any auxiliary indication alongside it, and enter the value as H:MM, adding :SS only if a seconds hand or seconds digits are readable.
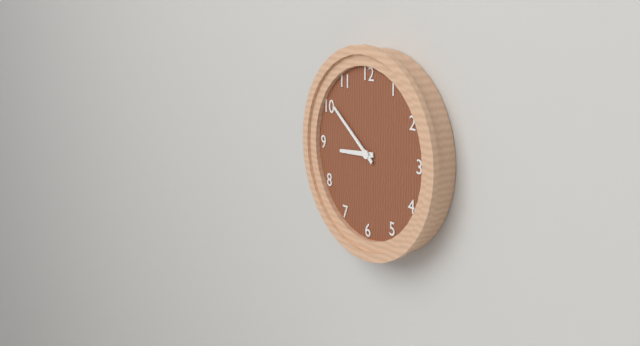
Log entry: 8:51
